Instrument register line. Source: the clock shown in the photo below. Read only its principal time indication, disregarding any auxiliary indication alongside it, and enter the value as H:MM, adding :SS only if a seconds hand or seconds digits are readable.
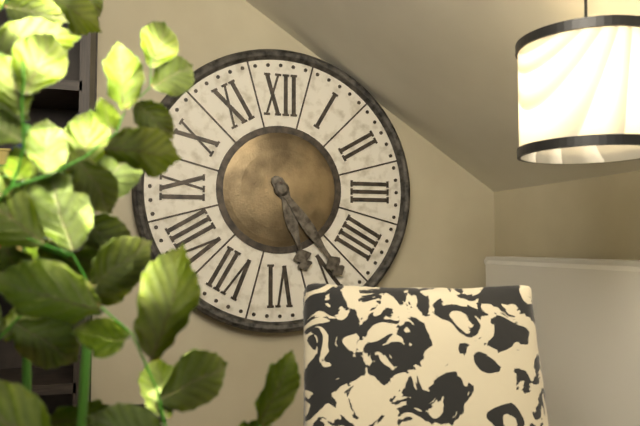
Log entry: 5:24
